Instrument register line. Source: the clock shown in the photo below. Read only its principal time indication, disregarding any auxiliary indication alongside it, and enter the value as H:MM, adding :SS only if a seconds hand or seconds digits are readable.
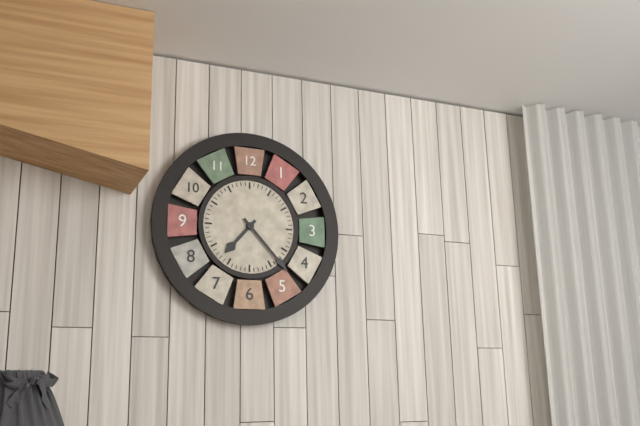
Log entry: 7:23
